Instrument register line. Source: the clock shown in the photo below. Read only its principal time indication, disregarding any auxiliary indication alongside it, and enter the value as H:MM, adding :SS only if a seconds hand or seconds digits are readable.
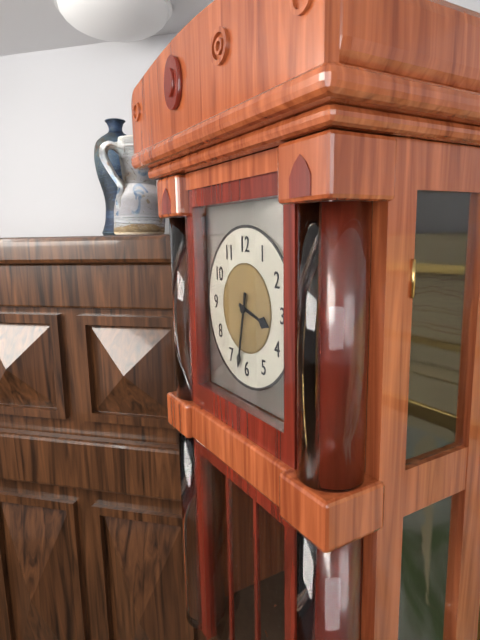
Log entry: 3:32
